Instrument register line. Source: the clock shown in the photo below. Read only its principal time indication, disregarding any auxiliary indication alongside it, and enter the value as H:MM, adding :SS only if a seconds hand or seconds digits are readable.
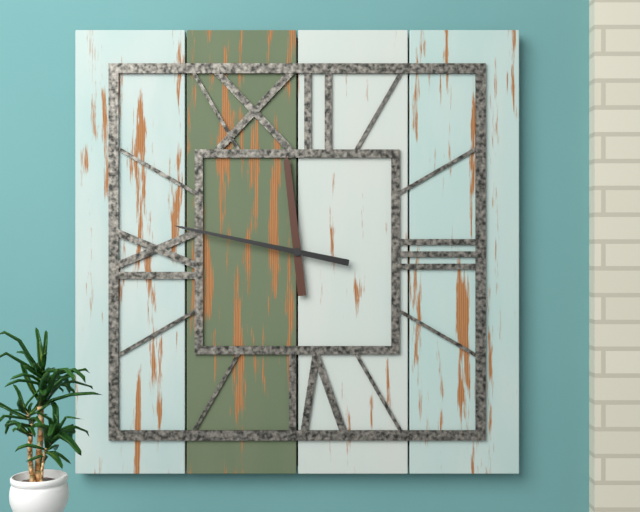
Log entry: 11:47
